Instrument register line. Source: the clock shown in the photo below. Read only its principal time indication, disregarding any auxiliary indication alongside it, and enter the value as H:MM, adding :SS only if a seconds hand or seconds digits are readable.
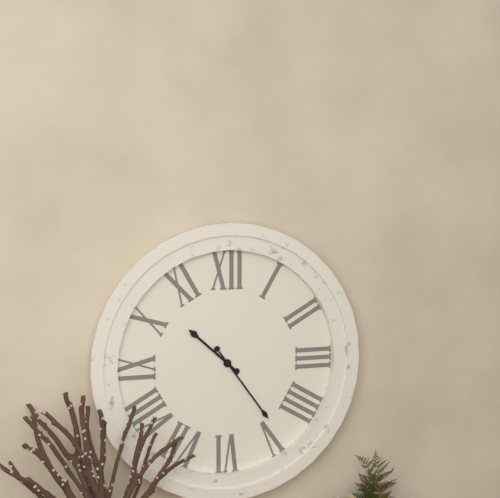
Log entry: 10:24
